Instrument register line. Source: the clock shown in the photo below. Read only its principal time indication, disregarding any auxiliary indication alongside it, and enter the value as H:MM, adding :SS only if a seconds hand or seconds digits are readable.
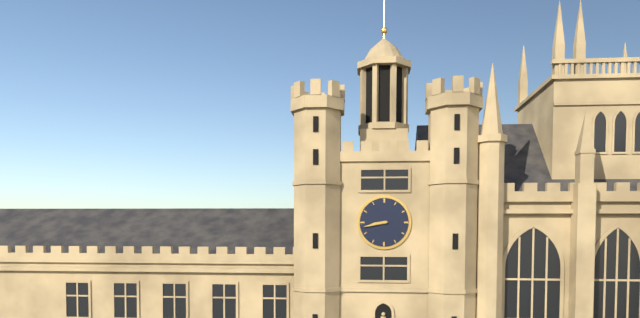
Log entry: 8:43
